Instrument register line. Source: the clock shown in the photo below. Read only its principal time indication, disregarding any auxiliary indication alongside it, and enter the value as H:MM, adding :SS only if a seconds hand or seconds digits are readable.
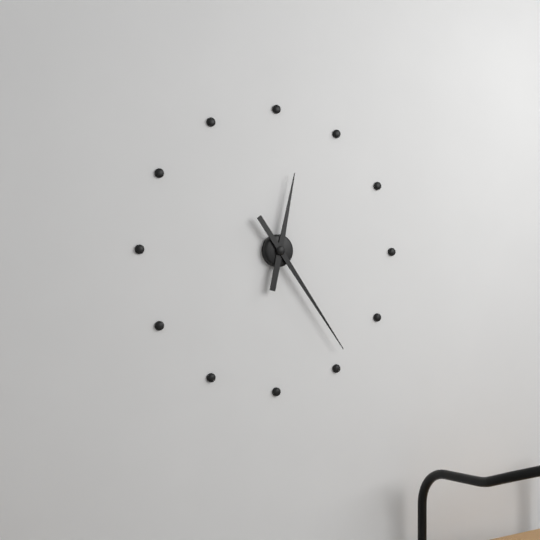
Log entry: 12:24
